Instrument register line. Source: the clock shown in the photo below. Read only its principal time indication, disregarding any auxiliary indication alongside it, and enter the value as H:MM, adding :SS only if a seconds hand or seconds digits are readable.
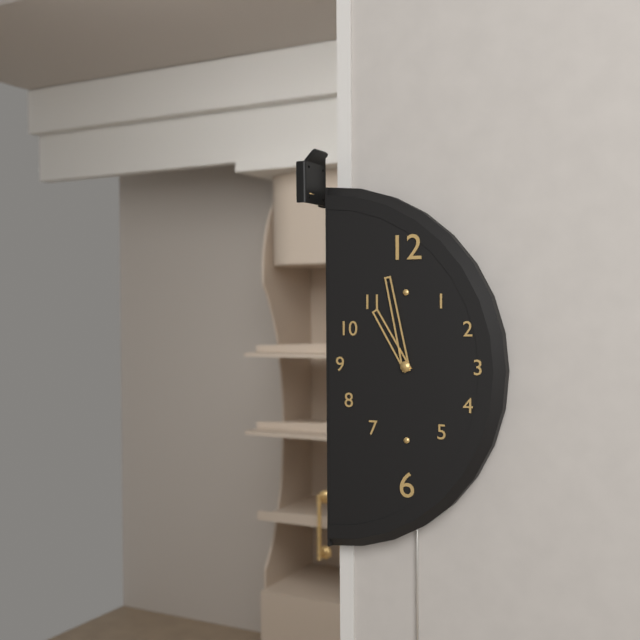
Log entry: 10:58
